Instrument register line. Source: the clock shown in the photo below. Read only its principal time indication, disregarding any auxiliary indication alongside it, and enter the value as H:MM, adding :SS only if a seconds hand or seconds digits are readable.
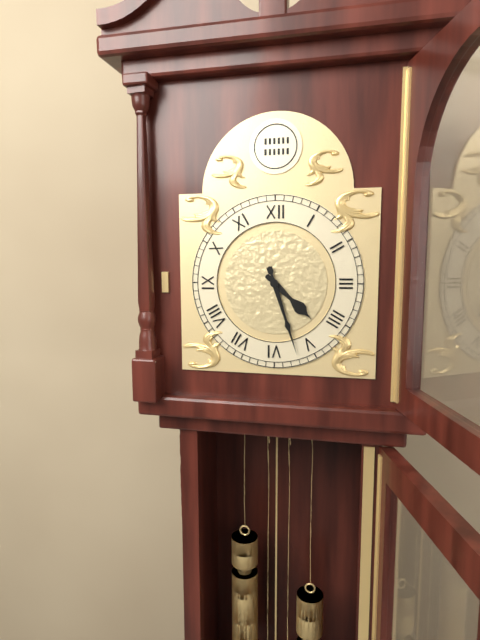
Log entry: 4:27
